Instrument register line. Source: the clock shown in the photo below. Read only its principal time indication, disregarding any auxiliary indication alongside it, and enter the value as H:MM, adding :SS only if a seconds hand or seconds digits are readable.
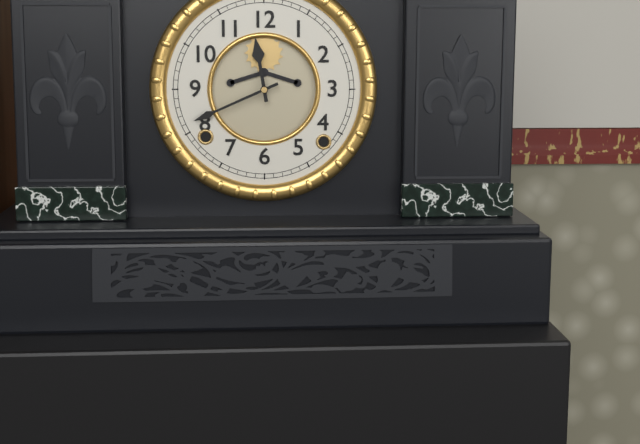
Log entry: 11:41
